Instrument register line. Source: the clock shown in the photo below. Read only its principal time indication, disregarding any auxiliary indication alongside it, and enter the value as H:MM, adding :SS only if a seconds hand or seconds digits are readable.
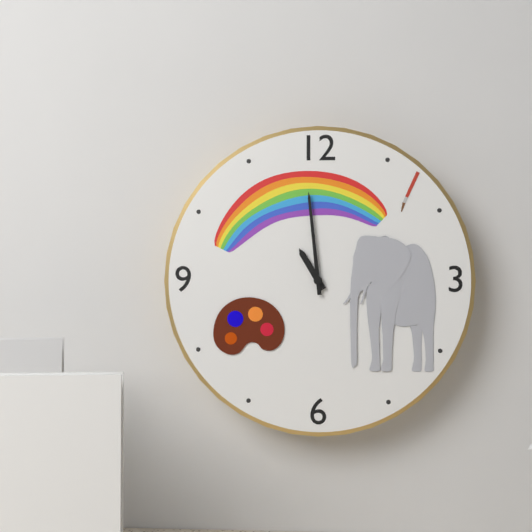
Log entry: 10:59
